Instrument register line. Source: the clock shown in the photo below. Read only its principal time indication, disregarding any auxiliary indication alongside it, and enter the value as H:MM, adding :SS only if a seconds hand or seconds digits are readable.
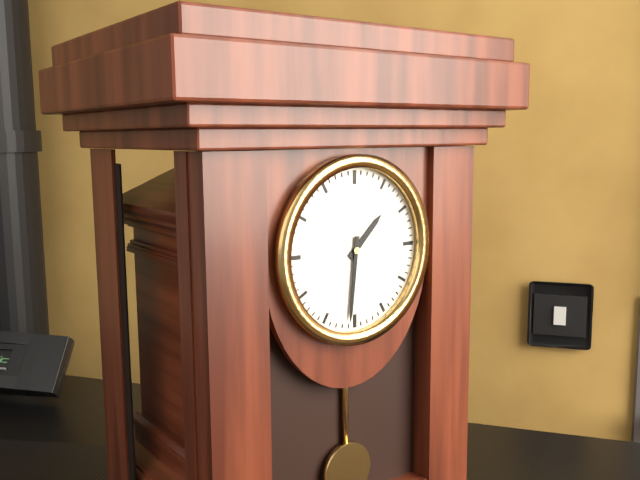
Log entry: 1:31
